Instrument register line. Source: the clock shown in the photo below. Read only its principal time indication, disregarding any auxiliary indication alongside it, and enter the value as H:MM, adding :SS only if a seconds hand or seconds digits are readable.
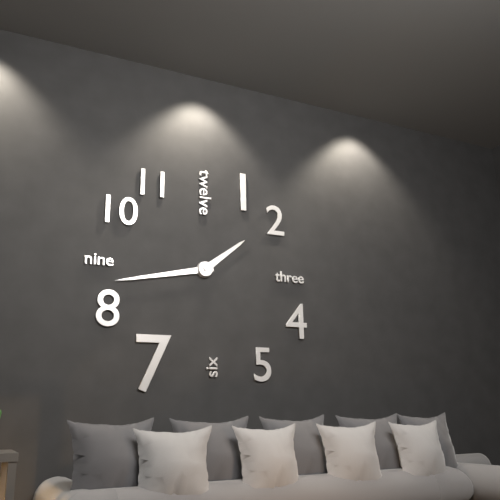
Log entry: 1:43
